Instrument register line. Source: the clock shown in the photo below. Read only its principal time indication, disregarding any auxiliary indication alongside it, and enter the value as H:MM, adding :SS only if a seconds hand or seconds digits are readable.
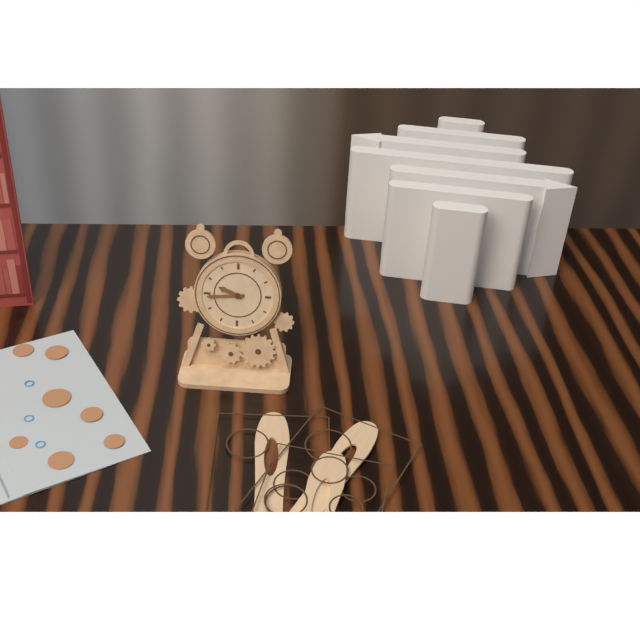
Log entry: 9:44
